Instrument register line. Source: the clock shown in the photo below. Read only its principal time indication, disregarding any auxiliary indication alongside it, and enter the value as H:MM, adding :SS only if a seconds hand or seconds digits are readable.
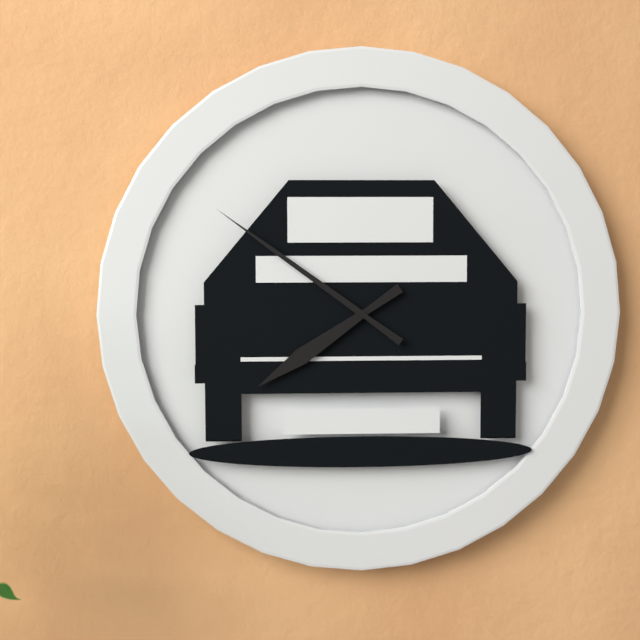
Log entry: 7:51
